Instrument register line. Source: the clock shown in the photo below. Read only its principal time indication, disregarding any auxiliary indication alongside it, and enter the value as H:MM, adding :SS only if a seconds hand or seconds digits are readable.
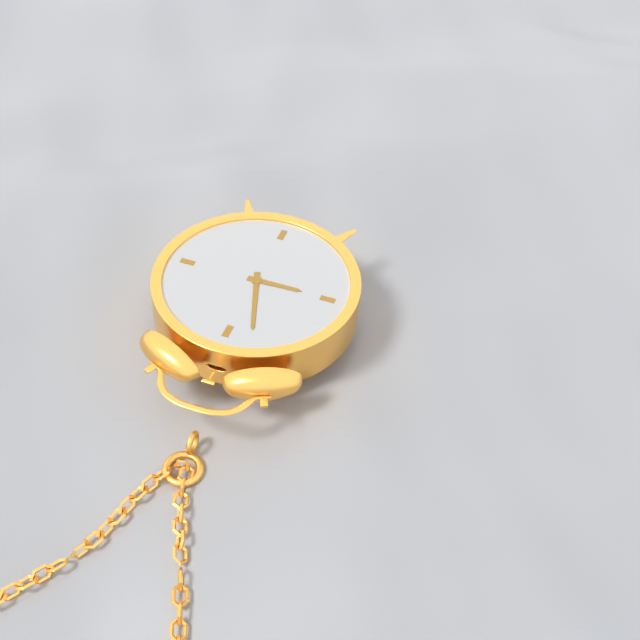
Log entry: 8:57
